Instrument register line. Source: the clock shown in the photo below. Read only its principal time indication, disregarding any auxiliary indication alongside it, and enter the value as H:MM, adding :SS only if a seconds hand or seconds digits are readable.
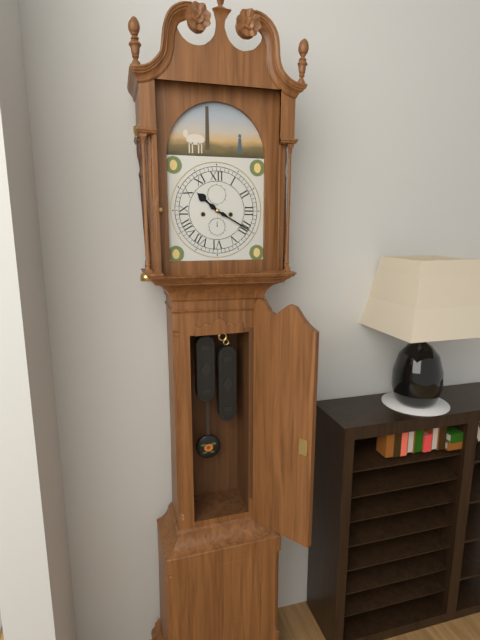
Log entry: 10:20
